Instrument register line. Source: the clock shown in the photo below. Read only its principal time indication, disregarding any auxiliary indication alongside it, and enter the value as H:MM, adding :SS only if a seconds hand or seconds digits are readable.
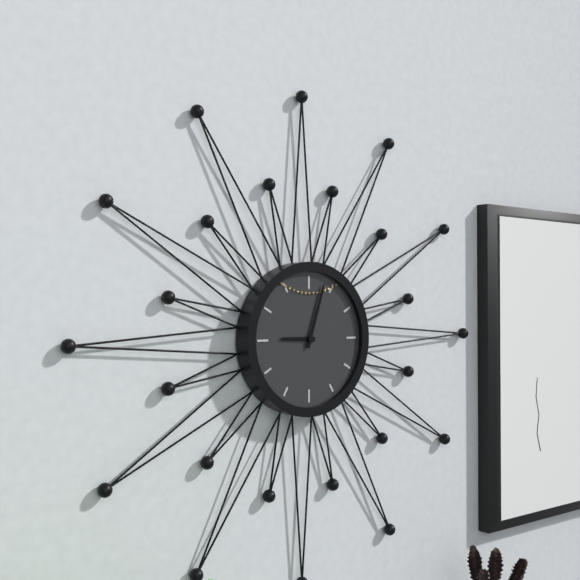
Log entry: 9:03
